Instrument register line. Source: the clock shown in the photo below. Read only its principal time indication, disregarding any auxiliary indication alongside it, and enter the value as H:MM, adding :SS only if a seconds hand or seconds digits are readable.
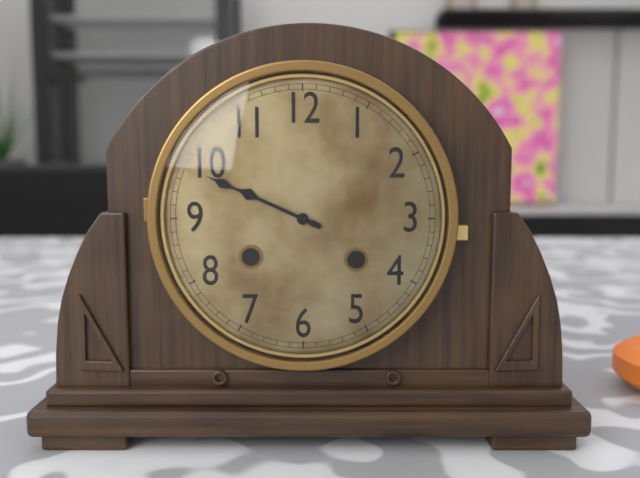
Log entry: 9:49
